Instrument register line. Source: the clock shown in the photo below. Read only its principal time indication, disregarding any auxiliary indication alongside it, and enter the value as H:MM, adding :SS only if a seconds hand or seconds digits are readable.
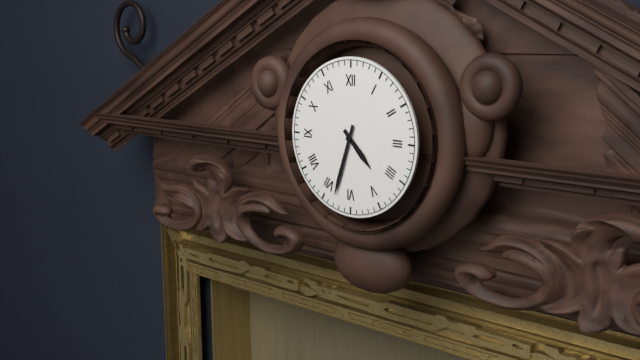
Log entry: 4:33
